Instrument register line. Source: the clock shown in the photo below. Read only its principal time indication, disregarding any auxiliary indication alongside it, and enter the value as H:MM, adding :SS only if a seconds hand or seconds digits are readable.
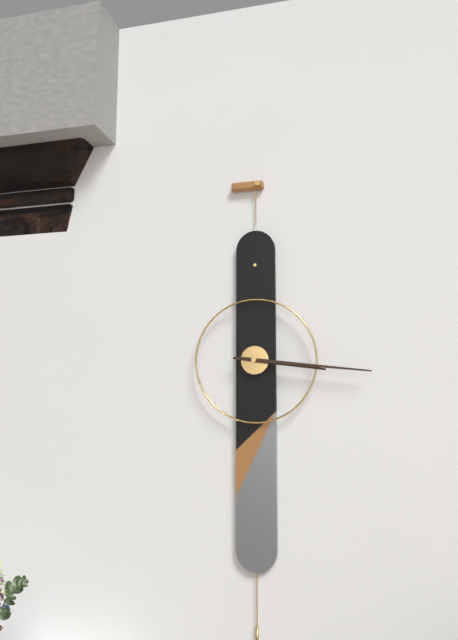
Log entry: 3:16
